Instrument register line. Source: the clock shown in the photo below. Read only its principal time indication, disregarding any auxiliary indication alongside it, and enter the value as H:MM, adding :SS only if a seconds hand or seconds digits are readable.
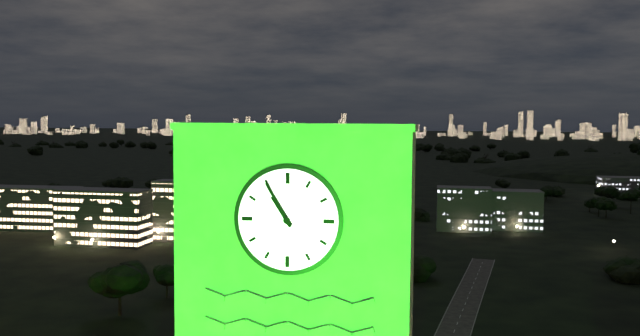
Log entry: 10:55
